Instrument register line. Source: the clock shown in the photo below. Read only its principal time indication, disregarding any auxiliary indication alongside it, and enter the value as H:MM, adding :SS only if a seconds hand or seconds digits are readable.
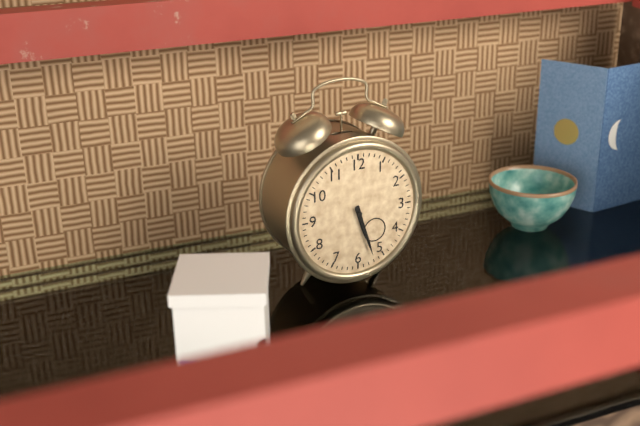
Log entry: 5:27
